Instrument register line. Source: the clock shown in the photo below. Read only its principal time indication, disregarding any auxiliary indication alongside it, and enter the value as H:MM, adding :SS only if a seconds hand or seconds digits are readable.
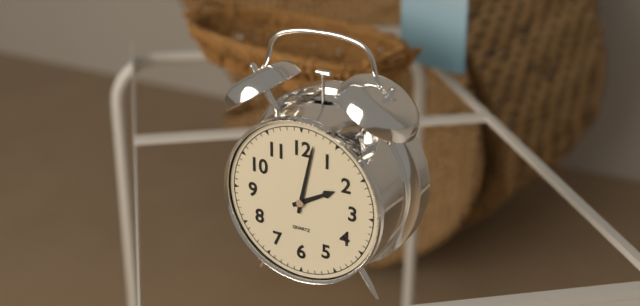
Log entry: 2:02
